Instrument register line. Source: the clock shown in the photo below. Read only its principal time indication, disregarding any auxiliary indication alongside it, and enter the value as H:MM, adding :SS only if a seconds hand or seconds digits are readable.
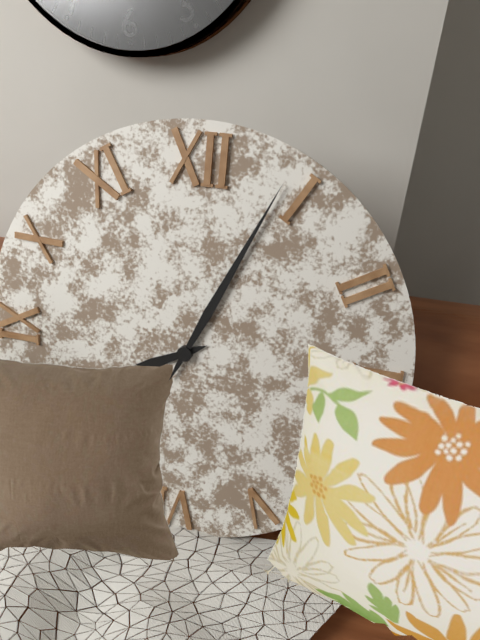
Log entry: 8:04
